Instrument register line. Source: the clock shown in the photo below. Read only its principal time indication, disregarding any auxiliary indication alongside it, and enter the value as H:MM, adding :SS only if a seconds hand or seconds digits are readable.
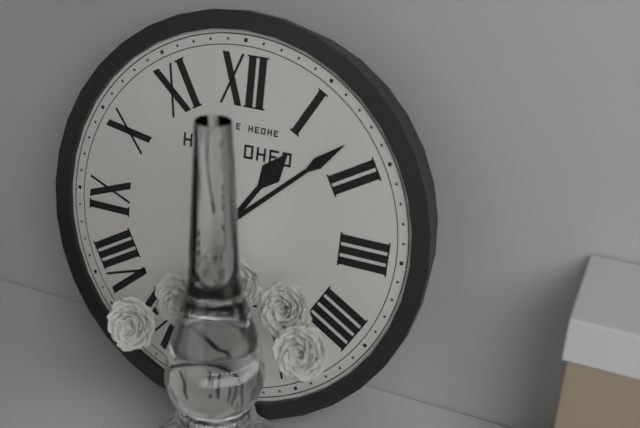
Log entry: 1:08
